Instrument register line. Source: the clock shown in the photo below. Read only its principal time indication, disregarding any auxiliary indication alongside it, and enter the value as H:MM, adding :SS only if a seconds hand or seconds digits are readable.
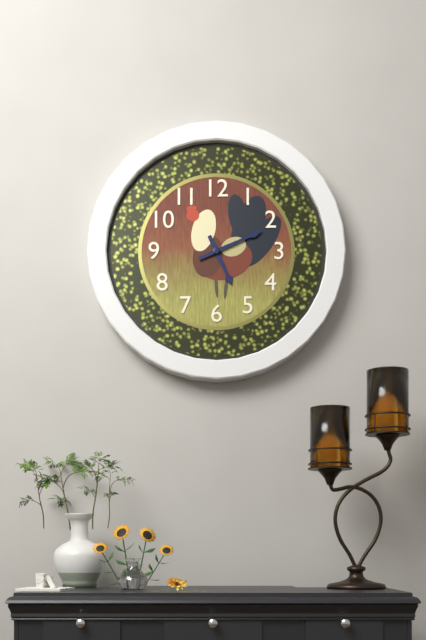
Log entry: 5:11
